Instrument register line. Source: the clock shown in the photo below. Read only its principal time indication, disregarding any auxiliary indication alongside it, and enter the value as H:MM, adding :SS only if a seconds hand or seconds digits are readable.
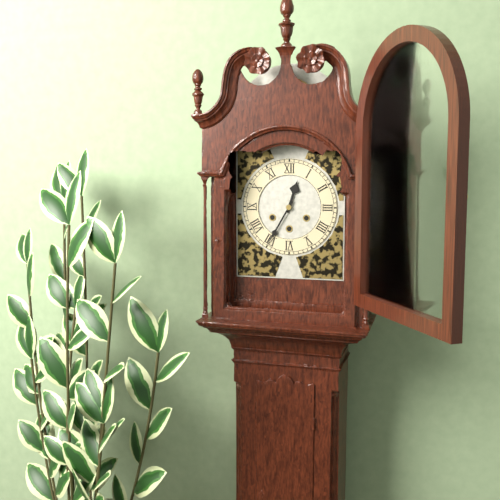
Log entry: 12:35
